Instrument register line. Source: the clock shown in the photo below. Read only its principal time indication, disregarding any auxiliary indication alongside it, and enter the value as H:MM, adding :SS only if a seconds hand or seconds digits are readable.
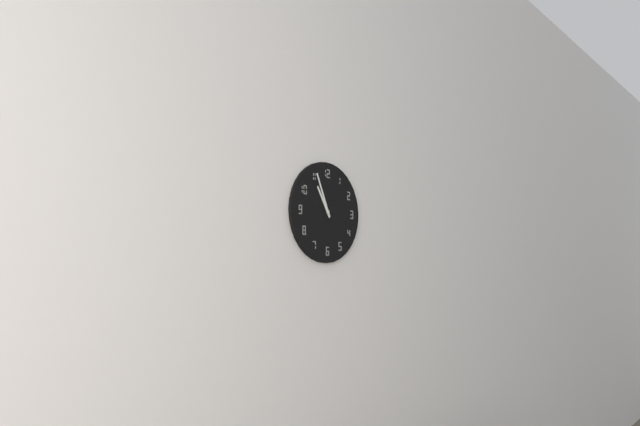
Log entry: 10:56
